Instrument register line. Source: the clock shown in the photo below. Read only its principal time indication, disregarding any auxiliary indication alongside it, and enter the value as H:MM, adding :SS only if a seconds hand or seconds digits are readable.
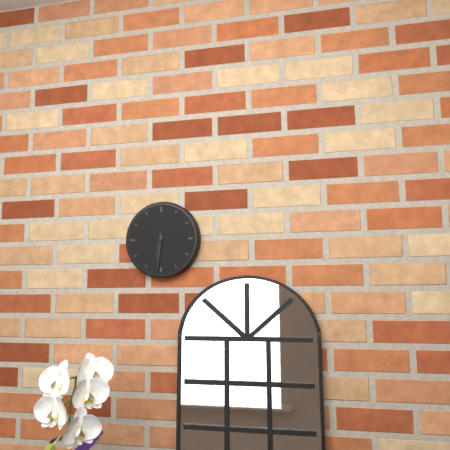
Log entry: 6:31
